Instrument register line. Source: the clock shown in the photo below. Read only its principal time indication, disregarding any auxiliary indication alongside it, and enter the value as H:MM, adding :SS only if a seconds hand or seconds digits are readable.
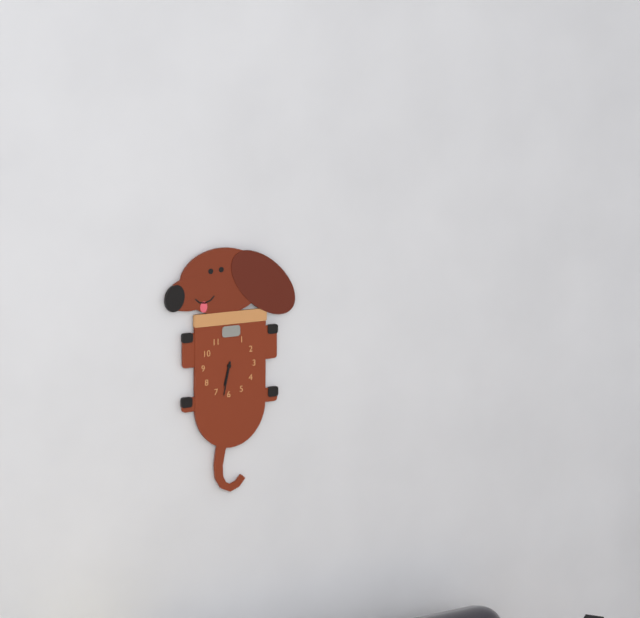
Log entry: 6:32
